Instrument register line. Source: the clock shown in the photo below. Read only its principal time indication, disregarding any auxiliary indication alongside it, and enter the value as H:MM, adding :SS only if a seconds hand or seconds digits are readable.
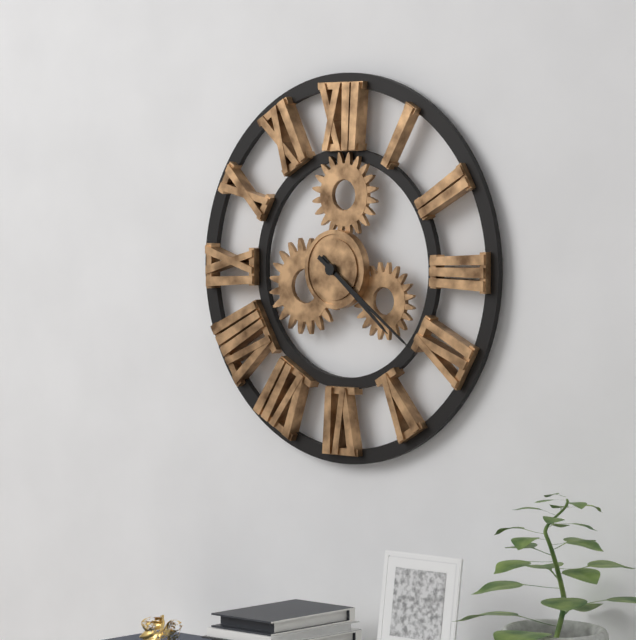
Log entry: 4:21
